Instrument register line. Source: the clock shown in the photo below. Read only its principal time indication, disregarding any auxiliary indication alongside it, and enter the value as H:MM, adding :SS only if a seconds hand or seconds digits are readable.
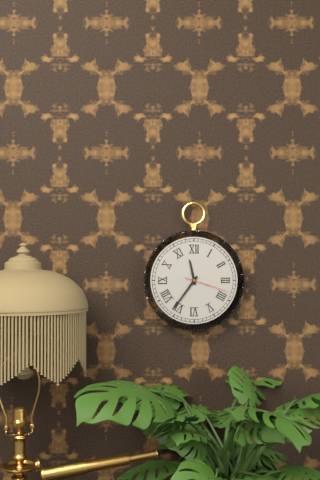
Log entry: 11:36
